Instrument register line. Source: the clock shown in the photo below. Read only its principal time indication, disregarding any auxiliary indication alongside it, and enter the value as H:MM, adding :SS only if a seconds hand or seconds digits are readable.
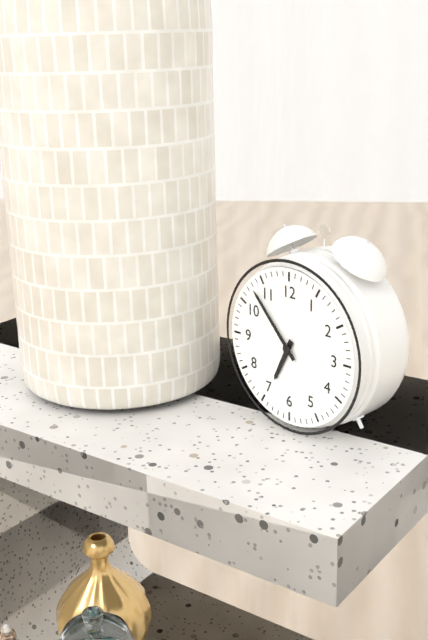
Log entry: 6:53
